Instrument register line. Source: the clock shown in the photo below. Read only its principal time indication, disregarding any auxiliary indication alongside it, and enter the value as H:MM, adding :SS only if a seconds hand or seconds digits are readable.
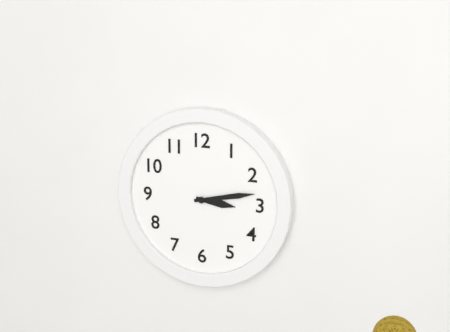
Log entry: 3:13
